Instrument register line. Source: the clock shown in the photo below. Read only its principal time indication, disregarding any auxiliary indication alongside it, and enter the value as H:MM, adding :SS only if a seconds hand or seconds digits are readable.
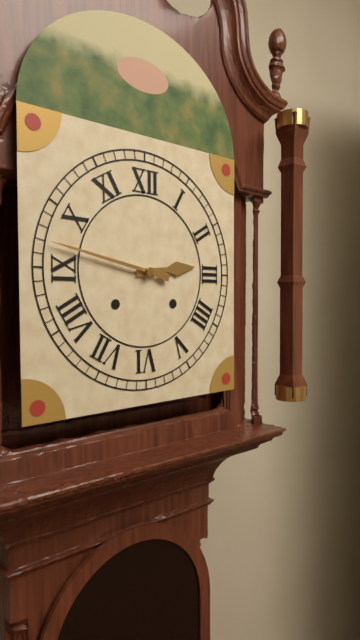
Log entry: 2:47
